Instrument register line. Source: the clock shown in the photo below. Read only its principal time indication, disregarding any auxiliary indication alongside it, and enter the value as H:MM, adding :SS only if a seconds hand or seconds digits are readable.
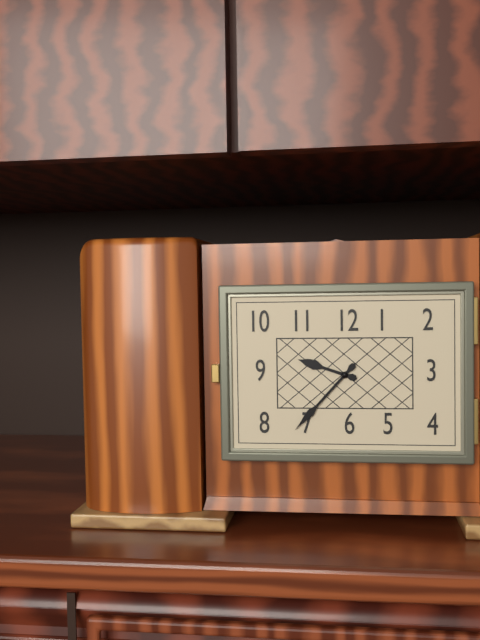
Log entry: 9:37
